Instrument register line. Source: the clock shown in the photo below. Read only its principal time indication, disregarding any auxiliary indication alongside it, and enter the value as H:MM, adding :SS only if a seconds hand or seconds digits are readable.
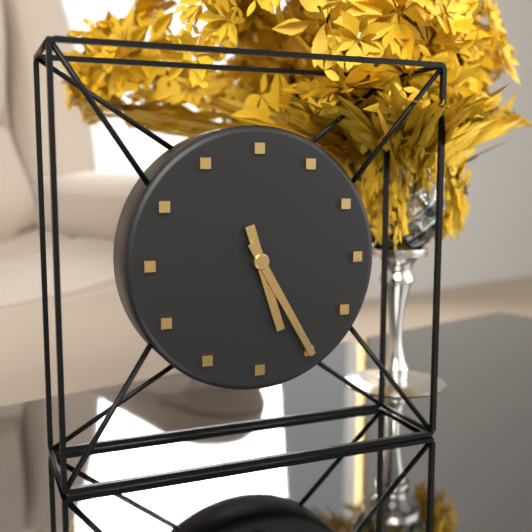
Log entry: 5:25
